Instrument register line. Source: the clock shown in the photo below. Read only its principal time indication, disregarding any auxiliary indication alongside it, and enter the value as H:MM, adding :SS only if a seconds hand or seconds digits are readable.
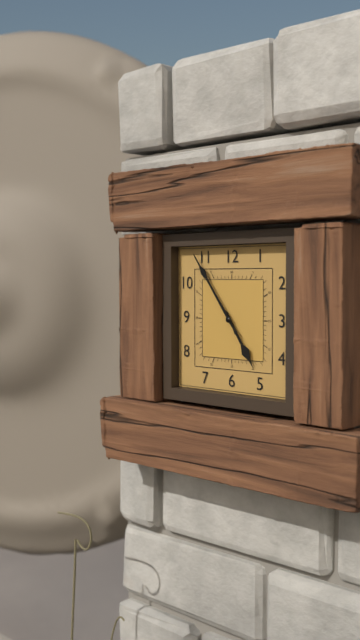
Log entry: 4:54
